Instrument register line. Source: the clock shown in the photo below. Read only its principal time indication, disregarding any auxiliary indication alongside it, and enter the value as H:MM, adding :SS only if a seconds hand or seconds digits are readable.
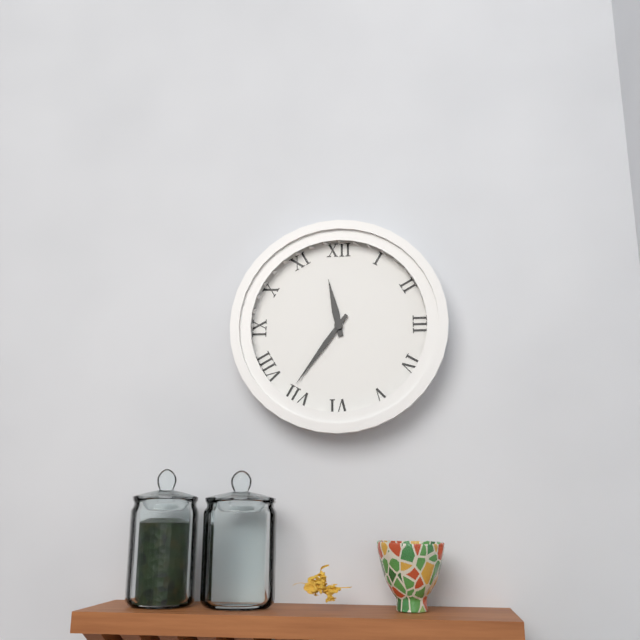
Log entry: 11:36
